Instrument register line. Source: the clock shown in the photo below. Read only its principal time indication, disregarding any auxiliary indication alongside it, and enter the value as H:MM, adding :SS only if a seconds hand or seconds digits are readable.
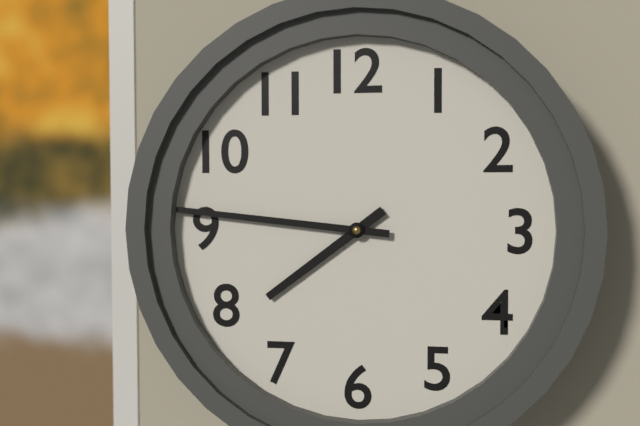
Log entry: 7:46
